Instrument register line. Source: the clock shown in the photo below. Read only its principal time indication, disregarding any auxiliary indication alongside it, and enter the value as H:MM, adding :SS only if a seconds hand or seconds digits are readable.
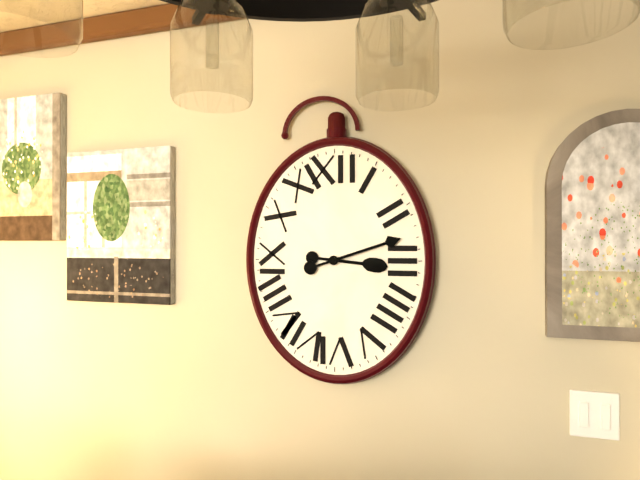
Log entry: 3:12
